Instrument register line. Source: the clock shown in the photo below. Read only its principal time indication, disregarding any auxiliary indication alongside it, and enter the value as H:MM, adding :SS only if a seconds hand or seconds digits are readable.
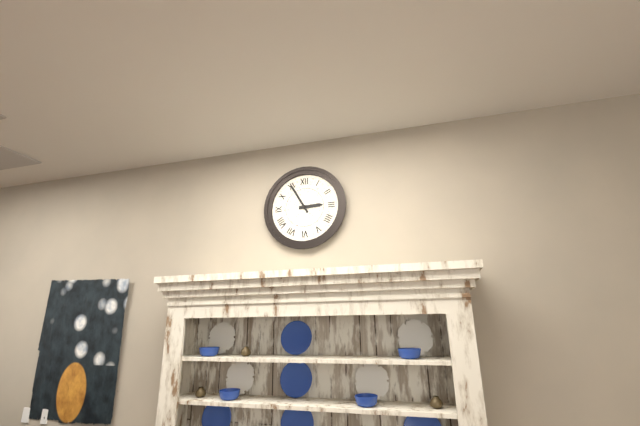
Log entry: 2:55
